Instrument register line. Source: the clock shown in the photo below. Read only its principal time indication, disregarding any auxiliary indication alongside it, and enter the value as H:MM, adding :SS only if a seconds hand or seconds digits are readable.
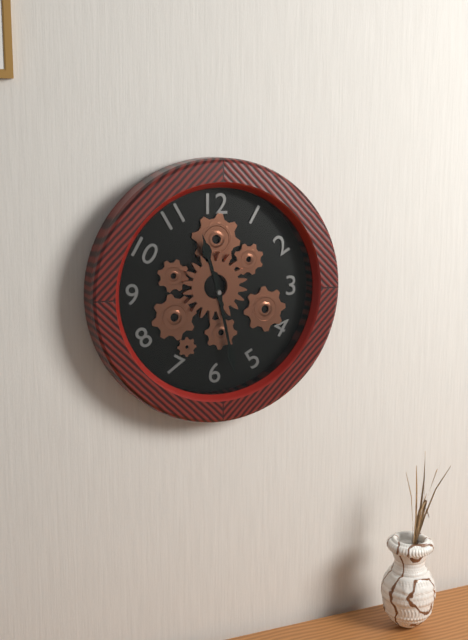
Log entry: 11:28
